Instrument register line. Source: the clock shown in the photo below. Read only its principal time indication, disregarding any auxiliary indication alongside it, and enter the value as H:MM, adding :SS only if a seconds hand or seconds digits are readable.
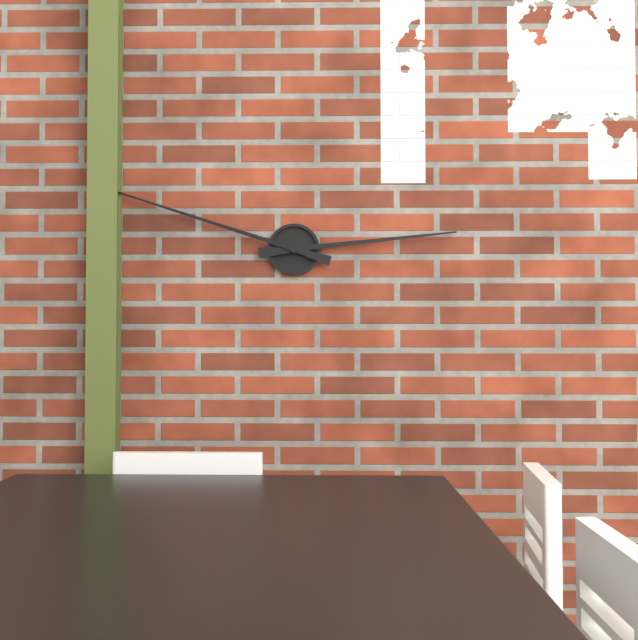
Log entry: 2:48
